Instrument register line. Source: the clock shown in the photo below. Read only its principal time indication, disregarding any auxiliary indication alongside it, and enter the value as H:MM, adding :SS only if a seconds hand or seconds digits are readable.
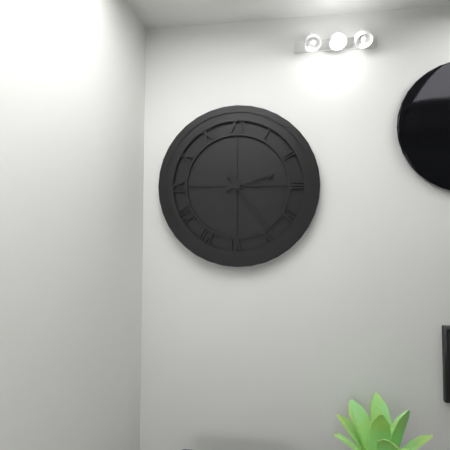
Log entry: 2:24
